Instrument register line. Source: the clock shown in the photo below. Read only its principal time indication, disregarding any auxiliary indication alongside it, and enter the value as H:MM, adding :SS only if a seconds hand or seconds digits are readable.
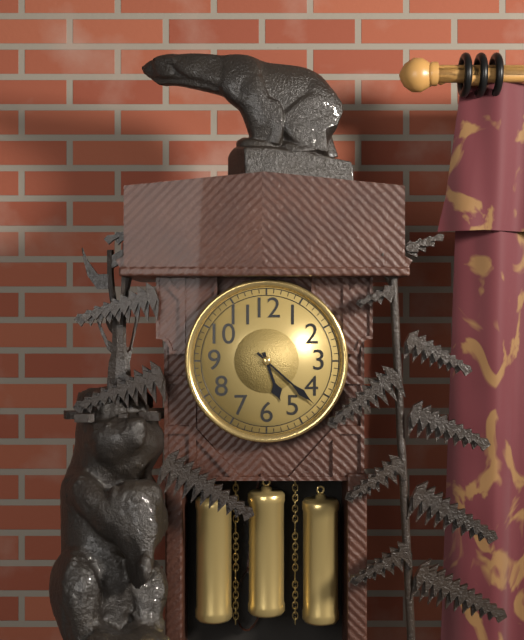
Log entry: 5:22
